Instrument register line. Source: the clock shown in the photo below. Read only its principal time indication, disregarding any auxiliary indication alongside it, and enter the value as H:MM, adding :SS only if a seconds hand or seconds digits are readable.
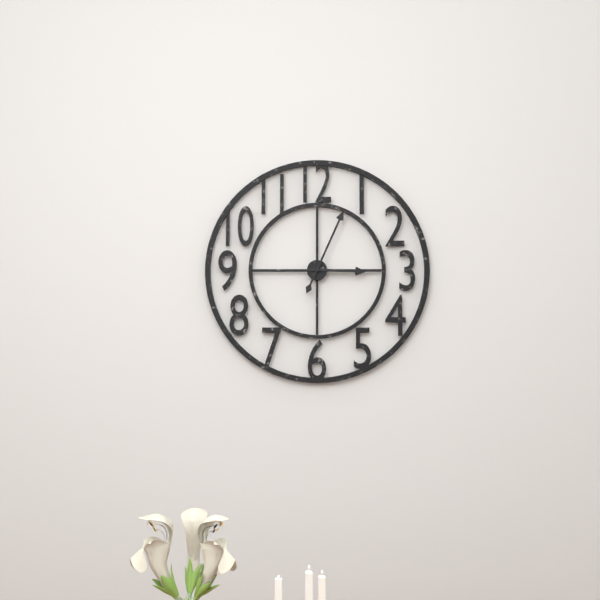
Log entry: 3:04
